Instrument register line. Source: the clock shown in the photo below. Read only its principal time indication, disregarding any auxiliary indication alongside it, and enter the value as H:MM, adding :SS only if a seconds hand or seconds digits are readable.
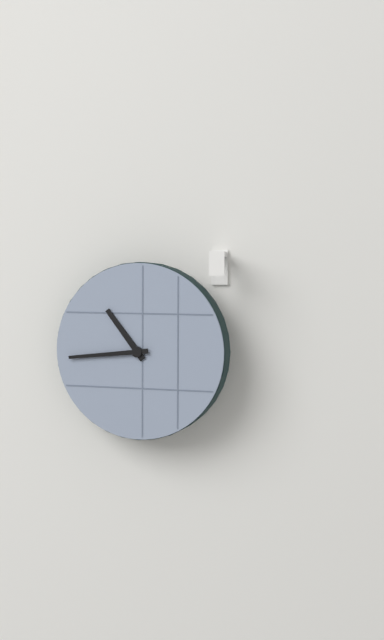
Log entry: 10:44
